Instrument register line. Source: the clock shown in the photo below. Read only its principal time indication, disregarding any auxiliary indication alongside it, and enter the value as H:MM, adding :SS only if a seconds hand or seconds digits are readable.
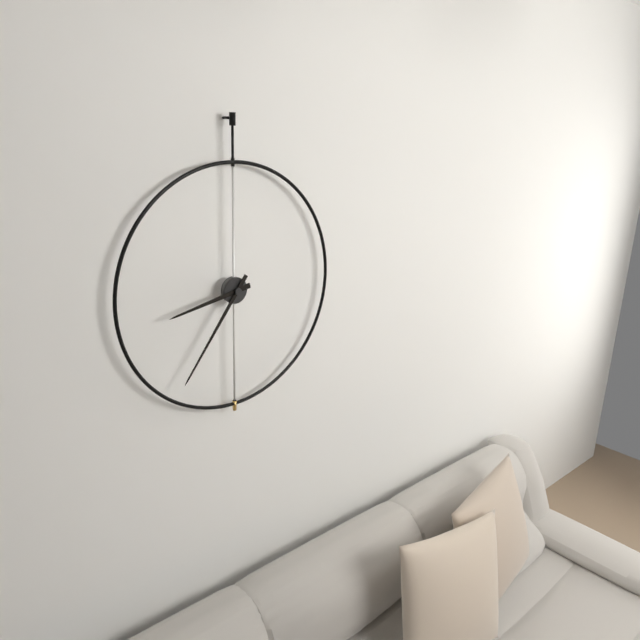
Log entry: 8:36
